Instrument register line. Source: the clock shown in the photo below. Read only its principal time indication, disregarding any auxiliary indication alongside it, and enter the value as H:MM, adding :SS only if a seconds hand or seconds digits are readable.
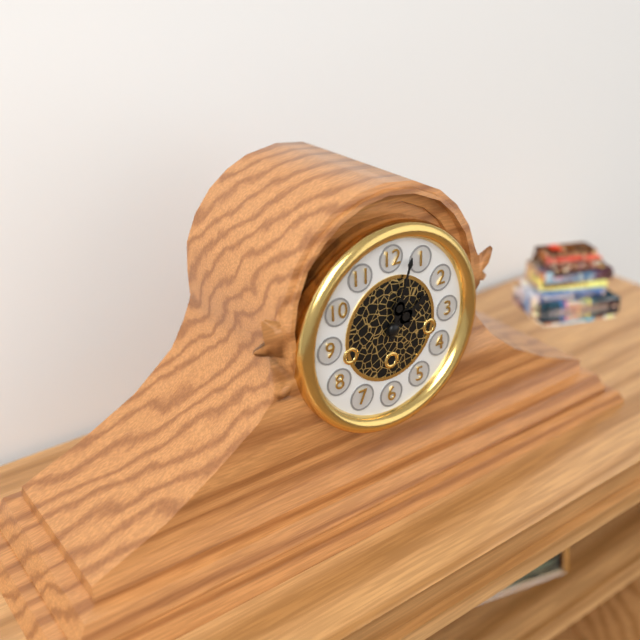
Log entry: 2:03
